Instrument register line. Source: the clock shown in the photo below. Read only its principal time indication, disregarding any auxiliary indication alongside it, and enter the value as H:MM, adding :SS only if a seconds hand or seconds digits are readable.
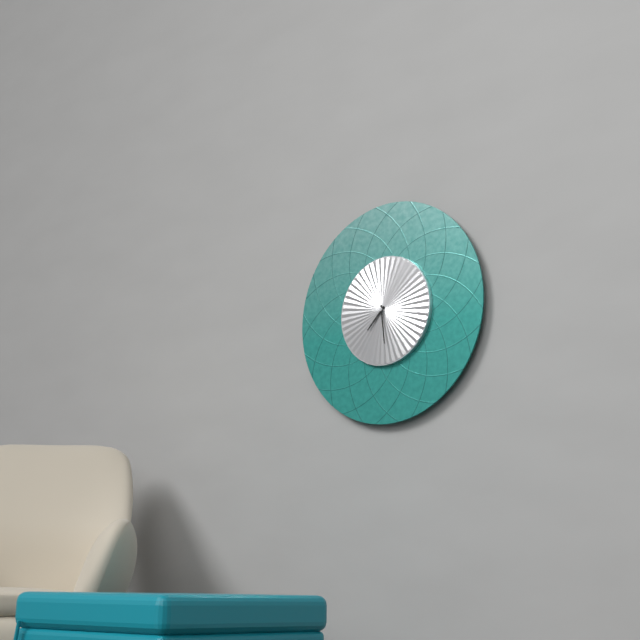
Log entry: 7:29
